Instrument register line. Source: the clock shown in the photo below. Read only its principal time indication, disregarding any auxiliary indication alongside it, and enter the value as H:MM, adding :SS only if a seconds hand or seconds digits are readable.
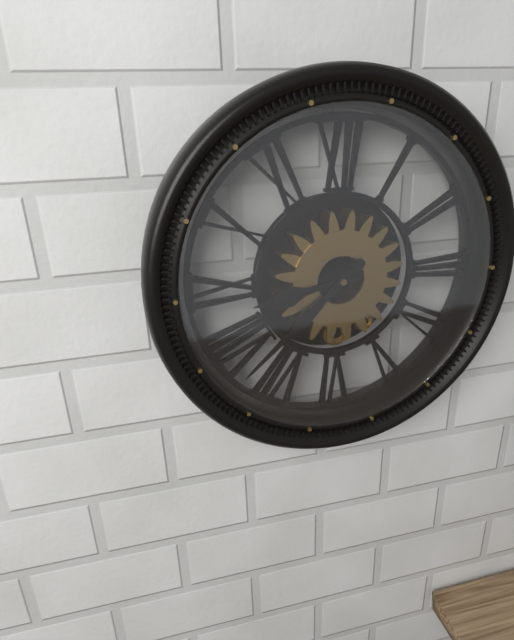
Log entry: 8:38
